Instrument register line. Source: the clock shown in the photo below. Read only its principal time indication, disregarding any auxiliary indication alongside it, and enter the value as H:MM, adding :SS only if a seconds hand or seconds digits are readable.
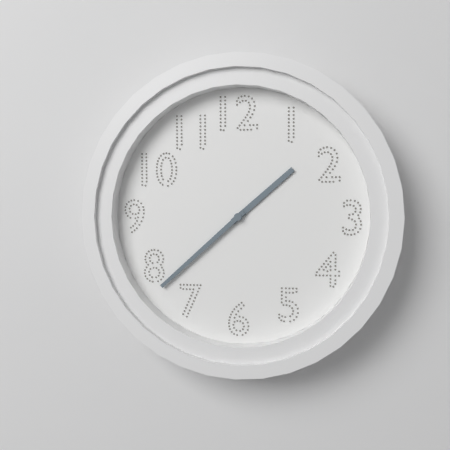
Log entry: 1:38
